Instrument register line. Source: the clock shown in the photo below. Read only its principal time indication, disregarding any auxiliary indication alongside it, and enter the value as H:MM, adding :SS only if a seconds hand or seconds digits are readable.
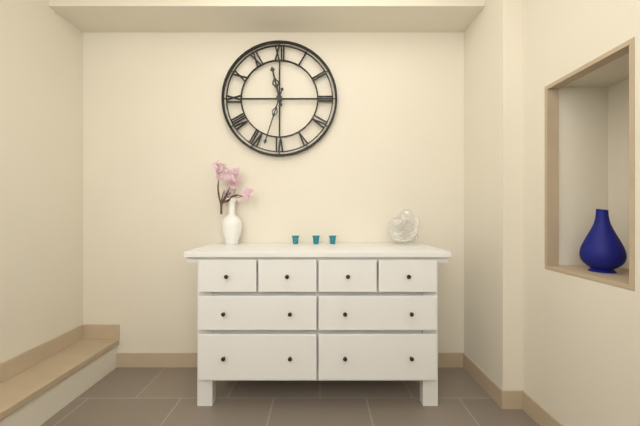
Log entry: 11:33
